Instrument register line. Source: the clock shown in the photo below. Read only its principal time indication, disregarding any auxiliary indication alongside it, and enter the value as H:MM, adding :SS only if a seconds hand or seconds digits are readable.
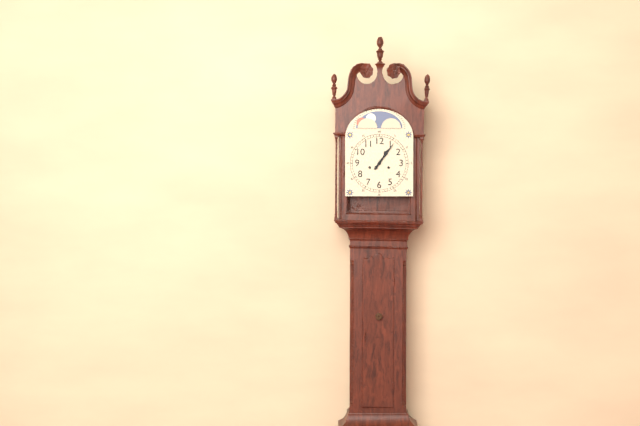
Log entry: 1:06
